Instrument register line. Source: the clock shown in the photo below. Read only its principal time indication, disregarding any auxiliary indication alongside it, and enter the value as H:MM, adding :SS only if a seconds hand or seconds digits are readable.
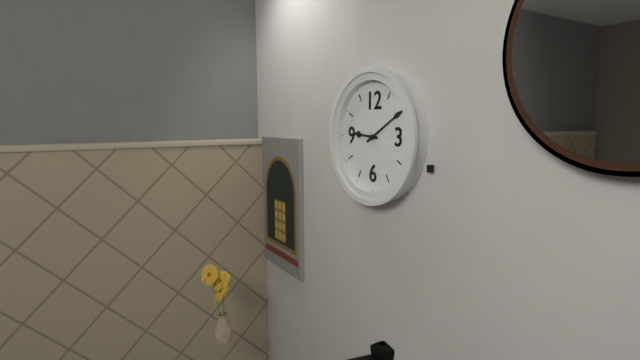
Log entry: 9:10
